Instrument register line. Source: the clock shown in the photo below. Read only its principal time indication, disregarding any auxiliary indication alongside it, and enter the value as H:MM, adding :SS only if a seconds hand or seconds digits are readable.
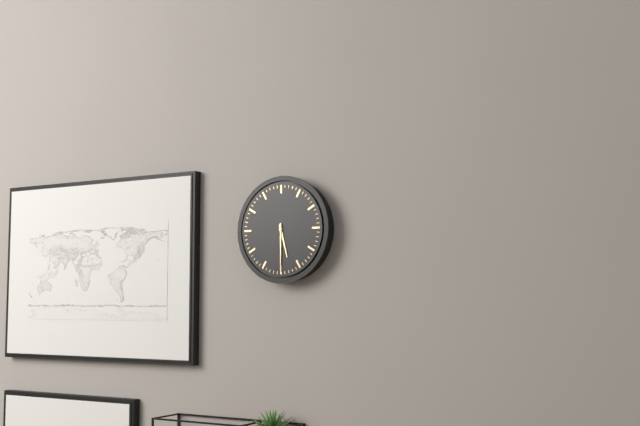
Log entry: 5:30
